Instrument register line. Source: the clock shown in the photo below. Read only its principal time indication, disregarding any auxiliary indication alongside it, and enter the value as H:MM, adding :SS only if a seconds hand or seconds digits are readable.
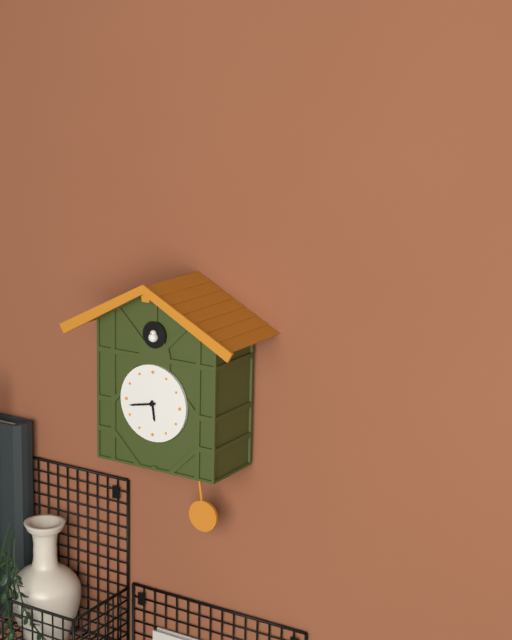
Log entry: 5:43
